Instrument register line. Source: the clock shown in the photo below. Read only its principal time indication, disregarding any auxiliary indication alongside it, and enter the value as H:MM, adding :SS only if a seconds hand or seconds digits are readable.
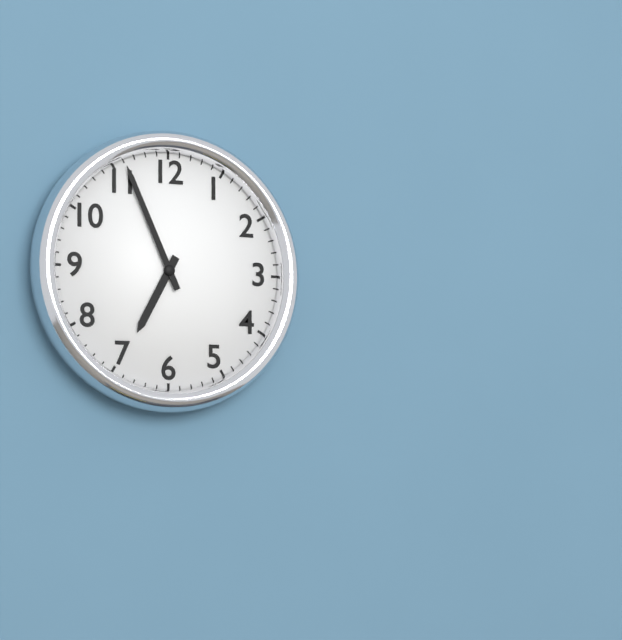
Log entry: 6:56
